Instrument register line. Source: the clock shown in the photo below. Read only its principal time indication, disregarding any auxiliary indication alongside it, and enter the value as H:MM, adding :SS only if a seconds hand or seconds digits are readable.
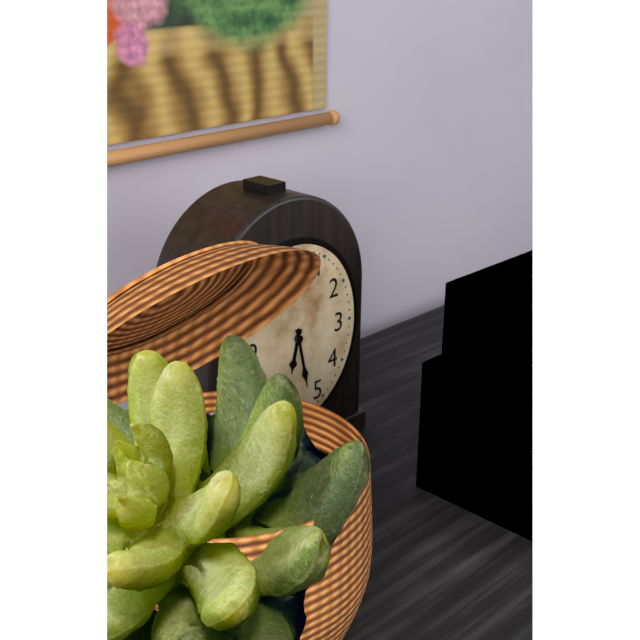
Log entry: 6:28
